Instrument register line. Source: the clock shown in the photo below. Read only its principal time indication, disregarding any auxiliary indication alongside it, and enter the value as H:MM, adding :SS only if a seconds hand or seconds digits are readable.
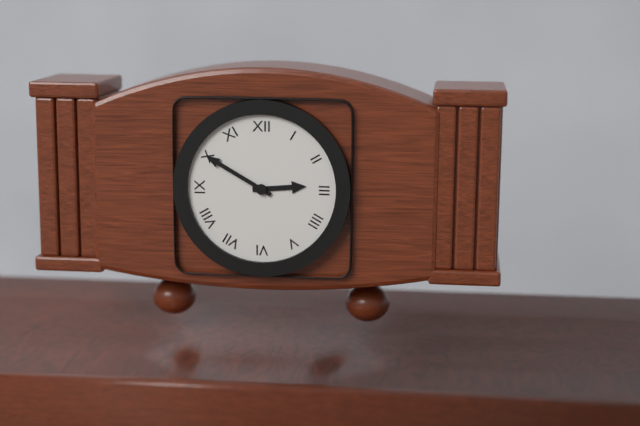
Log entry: 2:50
